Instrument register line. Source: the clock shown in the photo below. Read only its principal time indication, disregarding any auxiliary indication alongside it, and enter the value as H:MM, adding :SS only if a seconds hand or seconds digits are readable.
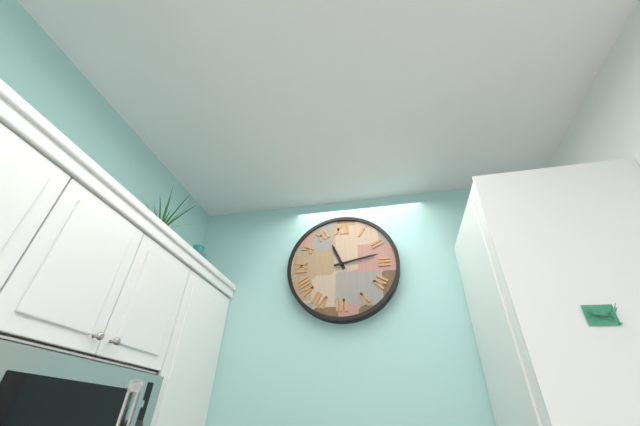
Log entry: 11:13
